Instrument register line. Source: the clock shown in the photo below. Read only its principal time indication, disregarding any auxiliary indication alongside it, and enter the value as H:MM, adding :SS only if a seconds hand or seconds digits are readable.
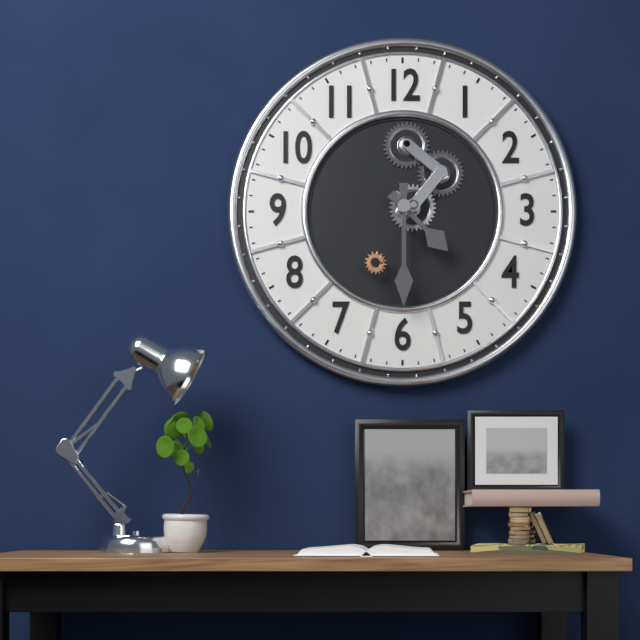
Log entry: 4:30
